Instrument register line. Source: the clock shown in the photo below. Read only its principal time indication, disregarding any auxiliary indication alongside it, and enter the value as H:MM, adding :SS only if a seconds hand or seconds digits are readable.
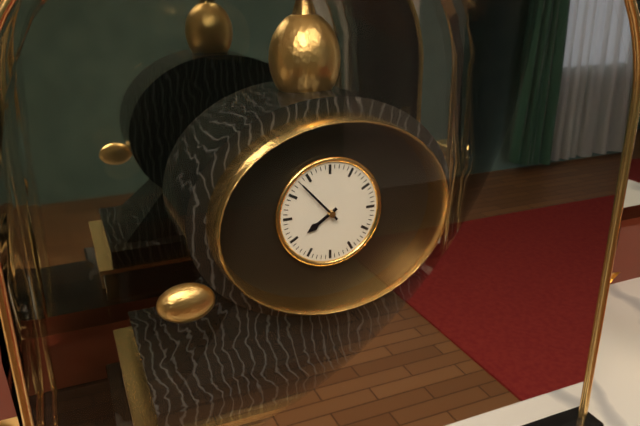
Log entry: 7:53
